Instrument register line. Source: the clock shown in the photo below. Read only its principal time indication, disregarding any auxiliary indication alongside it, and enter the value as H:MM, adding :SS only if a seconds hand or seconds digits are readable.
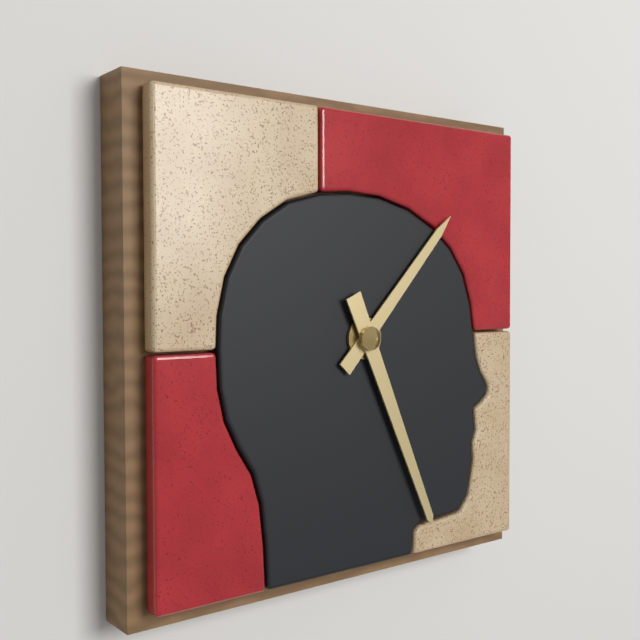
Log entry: 1:26
